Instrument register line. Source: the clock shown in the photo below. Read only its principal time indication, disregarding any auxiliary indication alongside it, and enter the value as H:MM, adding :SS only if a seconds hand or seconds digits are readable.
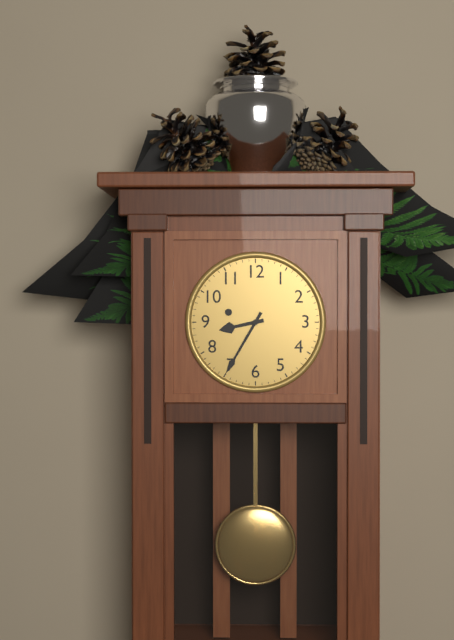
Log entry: 8:35
